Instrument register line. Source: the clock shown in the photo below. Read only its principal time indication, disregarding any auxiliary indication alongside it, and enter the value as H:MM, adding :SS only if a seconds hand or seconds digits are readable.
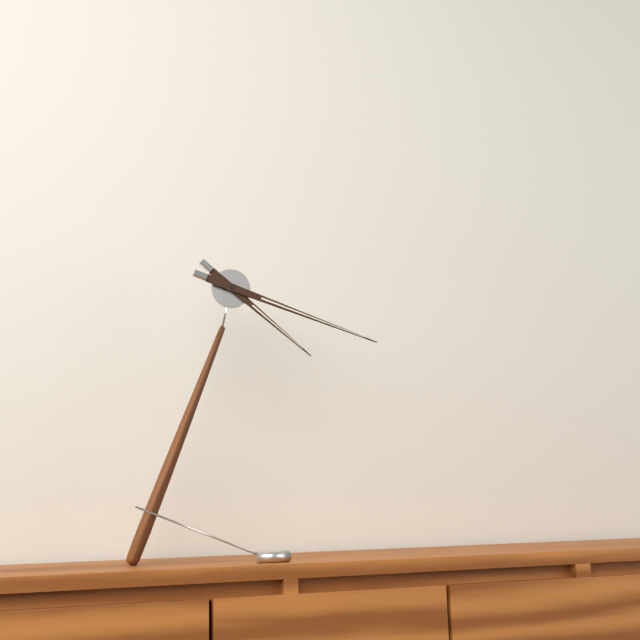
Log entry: 4:18
